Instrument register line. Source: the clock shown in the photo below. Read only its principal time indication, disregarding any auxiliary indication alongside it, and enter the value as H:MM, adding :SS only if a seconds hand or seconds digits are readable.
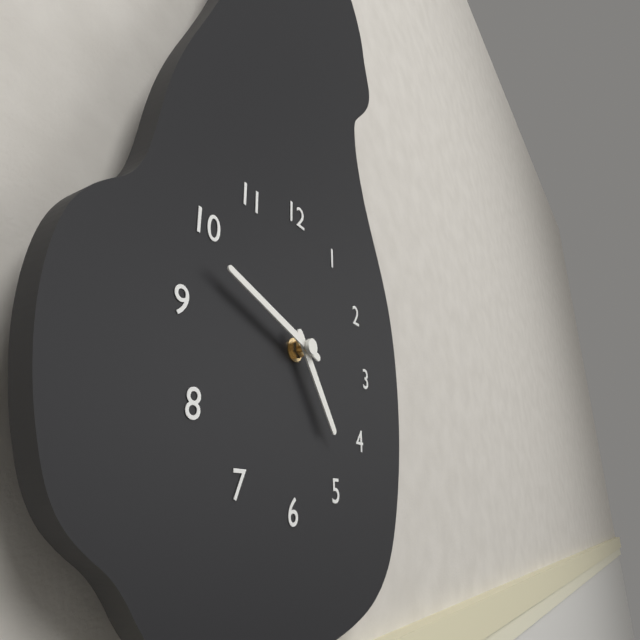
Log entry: 4:48
